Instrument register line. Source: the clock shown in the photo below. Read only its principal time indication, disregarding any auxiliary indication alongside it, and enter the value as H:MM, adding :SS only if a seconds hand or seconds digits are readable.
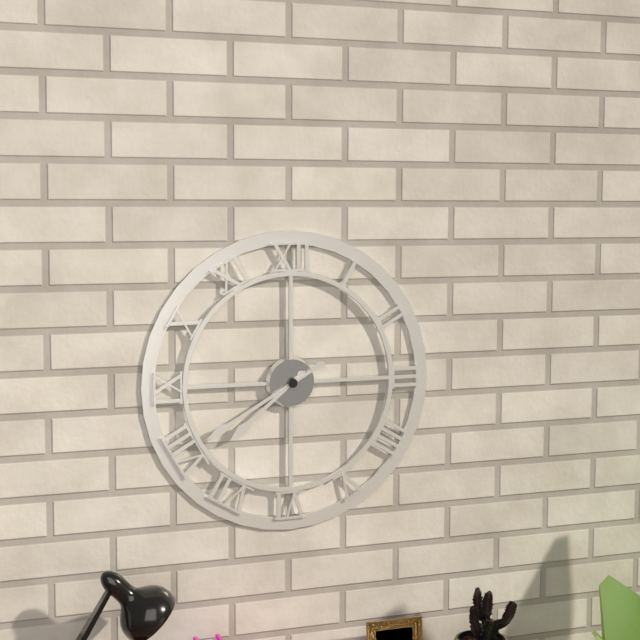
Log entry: 7:40
